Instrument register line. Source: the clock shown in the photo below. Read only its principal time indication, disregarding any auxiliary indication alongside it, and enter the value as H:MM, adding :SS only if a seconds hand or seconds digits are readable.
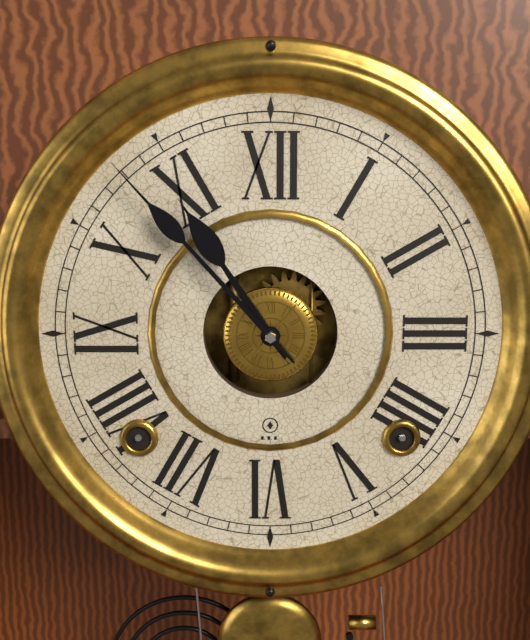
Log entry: 10:53
